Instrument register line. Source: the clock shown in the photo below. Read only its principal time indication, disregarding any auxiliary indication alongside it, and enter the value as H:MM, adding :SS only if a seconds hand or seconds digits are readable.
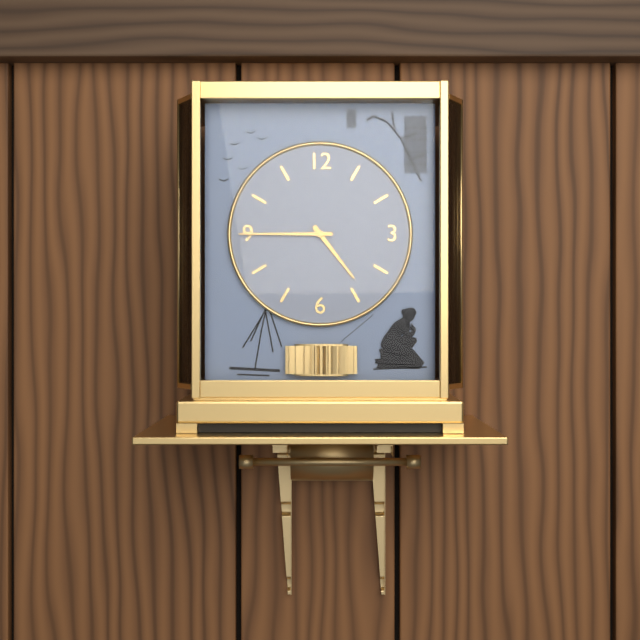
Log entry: 4:45
